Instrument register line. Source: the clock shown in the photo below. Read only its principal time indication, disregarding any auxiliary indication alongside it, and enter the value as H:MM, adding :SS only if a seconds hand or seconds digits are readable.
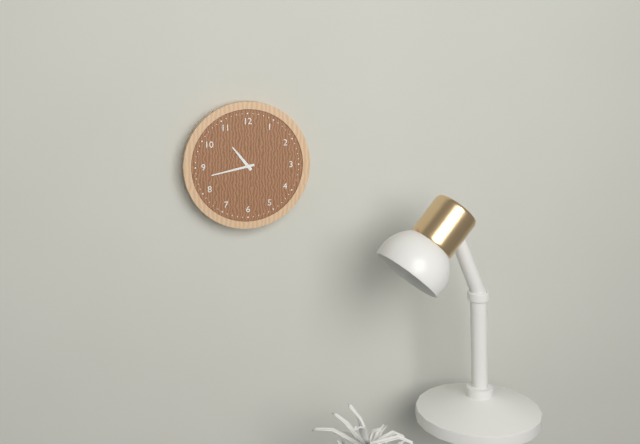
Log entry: 10:43
